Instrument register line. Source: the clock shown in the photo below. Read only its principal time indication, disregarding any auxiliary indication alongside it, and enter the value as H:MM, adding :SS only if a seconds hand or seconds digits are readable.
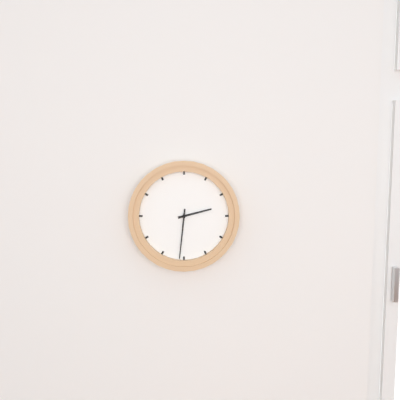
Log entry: 2:31
